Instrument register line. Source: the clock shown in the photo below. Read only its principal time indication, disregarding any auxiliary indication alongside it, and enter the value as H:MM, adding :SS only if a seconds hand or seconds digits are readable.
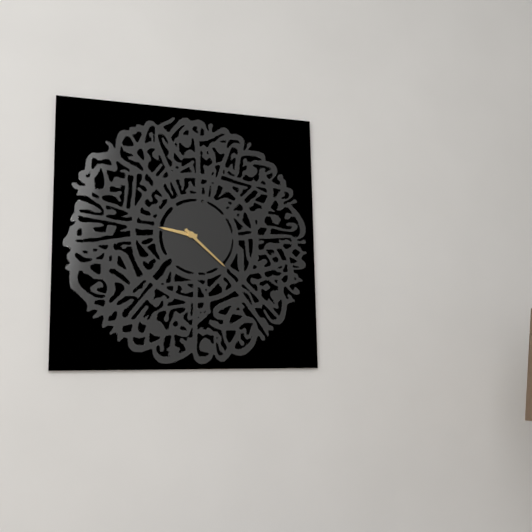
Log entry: 9:22
